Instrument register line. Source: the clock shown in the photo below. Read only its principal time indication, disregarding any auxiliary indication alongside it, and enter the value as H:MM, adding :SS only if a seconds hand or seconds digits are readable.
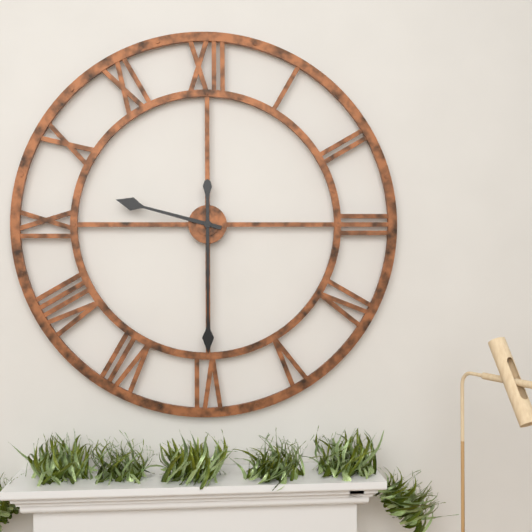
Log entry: 9:30
